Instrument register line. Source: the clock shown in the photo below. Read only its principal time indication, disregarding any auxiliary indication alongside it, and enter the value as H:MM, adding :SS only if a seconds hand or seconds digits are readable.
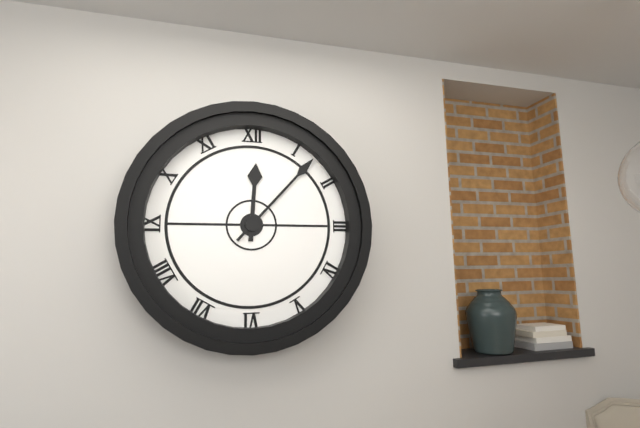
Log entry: 12:07
